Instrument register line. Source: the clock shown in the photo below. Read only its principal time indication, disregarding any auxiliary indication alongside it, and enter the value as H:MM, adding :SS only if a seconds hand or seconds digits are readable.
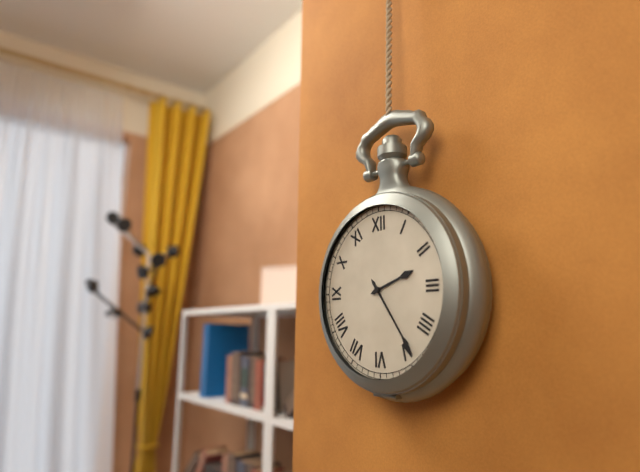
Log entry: 2:24
